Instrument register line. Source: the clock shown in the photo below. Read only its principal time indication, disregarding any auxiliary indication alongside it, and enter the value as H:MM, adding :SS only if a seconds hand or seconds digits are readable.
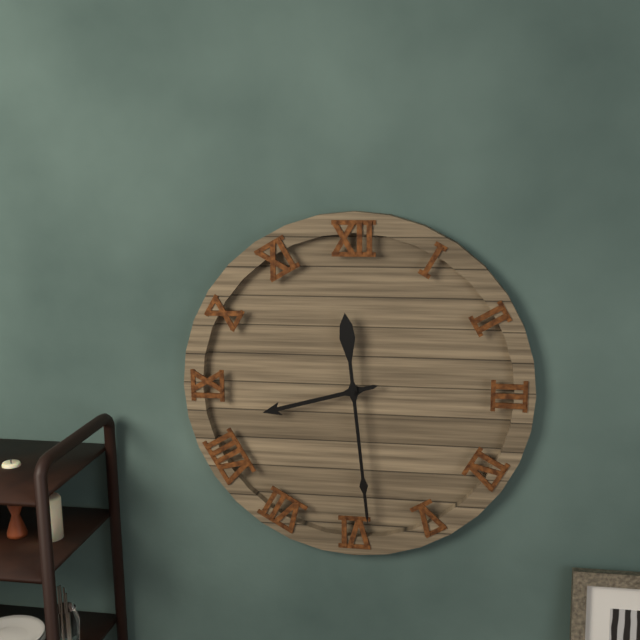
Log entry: 8:29
